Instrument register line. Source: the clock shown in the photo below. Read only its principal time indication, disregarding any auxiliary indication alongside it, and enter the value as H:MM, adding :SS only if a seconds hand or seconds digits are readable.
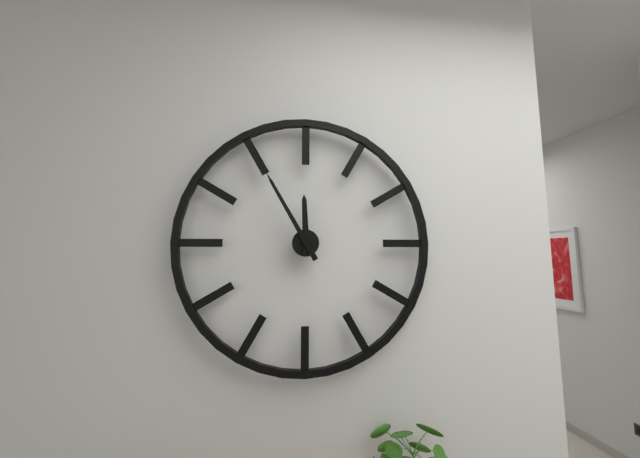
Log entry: 11:55
